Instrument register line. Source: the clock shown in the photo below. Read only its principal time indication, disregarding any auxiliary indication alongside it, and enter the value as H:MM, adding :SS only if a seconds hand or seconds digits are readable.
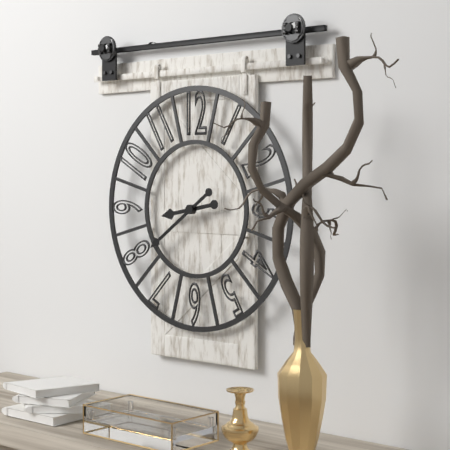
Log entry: 8:39
